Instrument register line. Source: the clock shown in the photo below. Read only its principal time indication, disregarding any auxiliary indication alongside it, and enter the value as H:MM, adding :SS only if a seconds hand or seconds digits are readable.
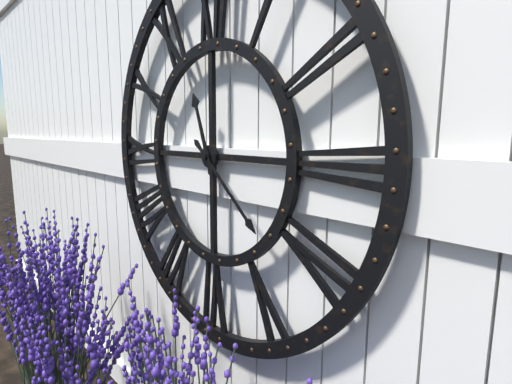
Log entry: 11:22
